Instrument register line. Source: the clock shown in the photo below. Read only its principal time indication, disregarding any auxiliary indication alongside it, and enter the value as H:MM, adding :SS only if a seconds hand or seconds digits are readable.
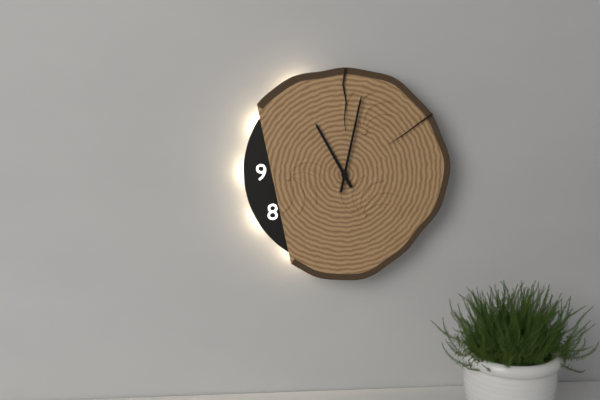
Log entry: 11:02
